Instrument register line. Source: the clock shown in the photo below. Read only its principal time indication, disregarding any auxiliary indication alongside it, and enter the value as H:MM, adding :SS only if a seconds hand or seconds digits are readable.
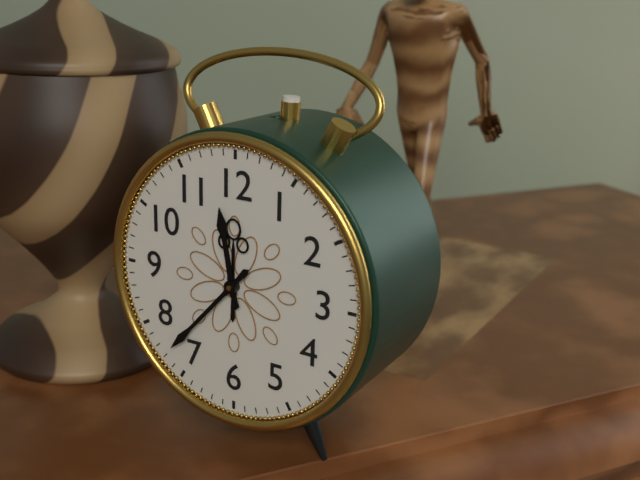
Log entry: 11:37
